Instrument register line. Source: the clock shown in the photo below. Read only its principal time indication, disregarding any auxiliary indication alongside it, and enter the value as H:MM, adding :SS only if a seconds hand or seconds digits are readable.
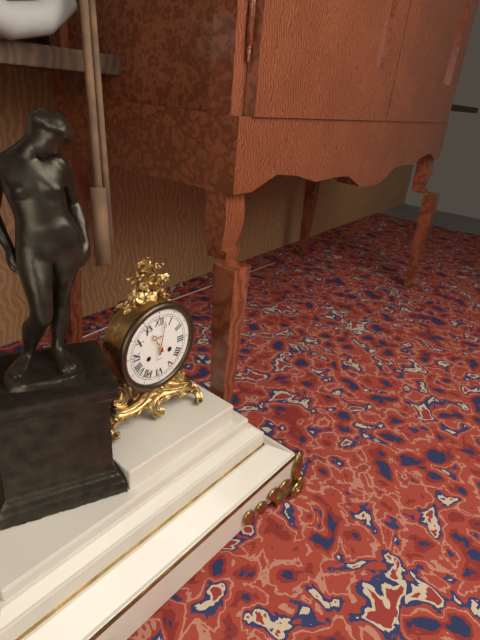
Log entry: 11:02
